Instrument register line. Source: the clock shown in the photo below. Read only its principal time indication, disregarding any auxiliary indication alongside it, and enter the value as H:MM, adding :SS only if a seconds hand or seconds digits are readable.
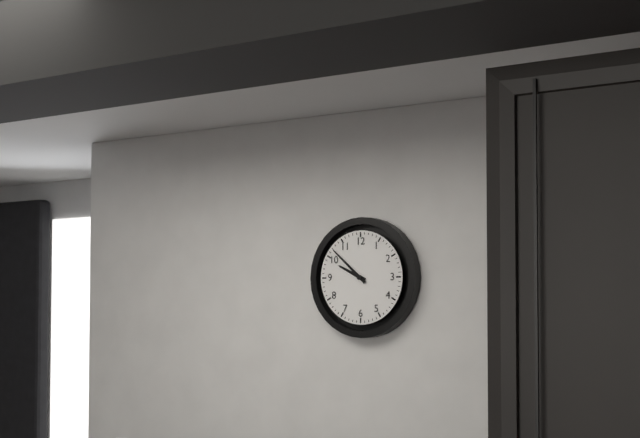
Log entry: 9:52
